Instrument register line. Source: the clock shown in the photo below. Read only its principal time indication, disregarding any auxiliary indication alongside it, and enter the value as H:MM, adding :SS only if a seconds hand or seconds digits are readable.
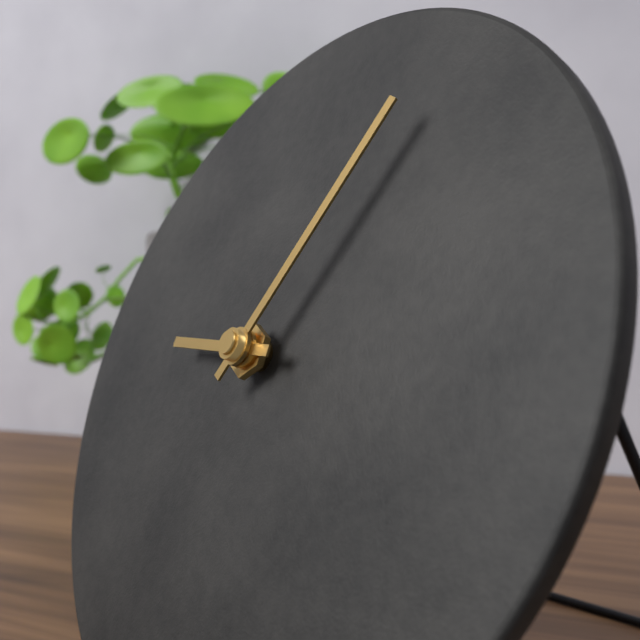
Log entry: 9:05
